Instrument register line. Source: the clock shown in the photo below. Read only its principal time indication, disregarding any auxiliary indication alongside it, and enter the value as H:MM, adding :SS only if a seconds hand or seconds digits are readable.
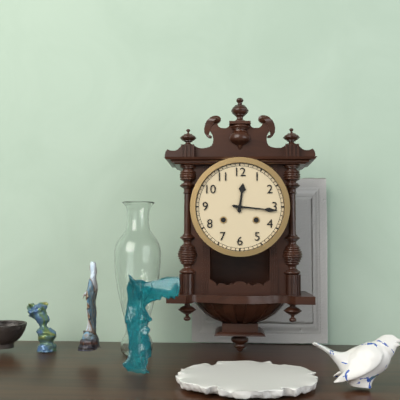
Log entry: 12:16
